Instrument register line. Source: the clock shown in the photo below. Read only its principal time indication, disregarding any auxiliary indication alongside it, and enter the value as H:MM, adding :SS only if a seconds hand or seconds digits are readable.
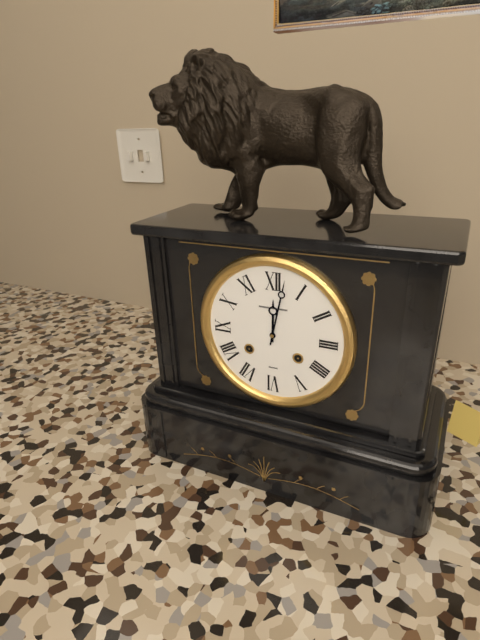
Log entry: 12:02
